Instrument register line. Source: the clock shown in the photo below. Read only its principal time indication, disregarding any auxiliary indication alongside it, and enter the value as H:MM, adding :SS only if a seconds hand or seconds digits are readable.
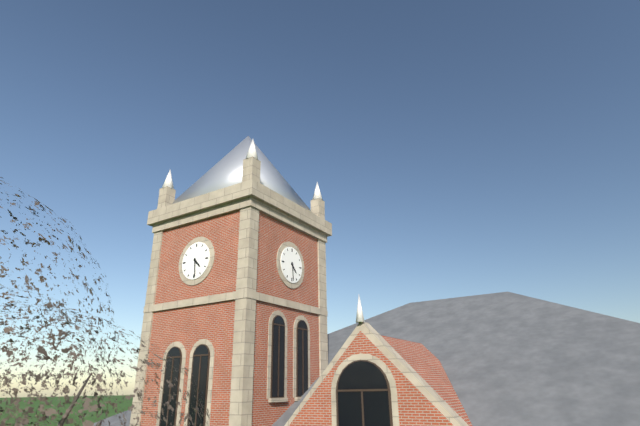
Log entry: 4:29
